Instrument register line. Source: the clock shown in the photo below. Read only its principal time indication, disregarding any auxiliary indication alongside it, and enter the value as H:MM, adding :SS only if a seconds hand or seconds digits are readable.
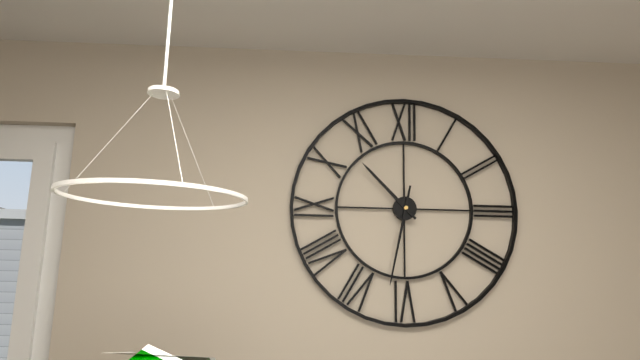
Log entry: 10:32
